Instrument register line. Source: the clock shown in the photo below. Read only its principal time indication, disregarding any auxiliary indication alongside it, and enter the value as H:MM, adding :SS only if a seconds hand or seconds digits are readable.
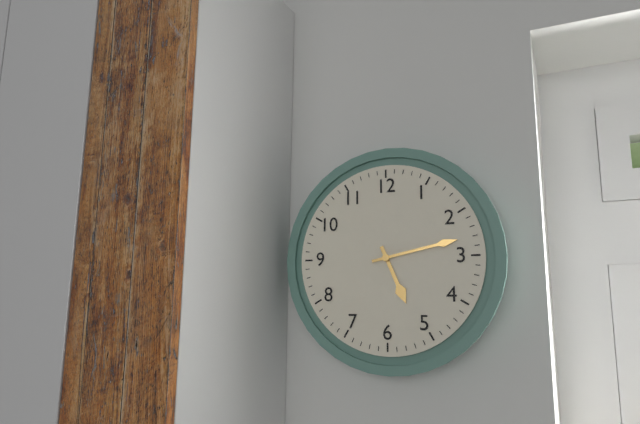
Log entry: 5:13
